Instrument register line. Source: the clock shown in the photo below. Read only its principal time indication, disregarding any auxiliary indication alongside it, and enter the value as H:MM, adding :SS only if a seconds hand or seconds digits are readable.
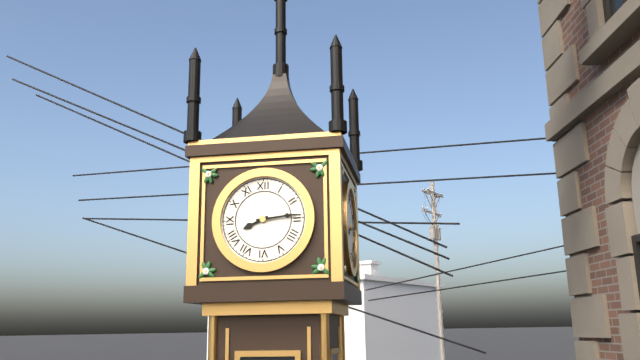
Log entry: 8:14
